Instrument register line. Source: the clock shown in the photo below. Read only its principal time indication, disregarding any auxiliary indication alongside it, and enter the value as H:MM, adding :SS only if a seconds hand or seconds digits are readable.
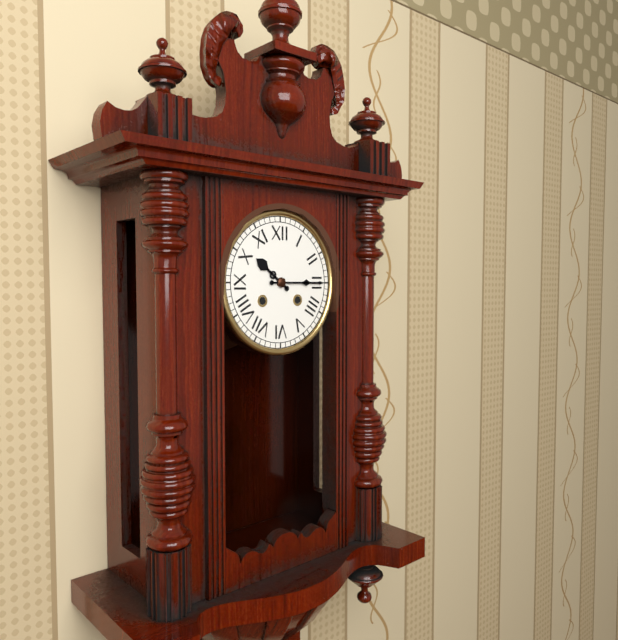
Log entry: 10:15
